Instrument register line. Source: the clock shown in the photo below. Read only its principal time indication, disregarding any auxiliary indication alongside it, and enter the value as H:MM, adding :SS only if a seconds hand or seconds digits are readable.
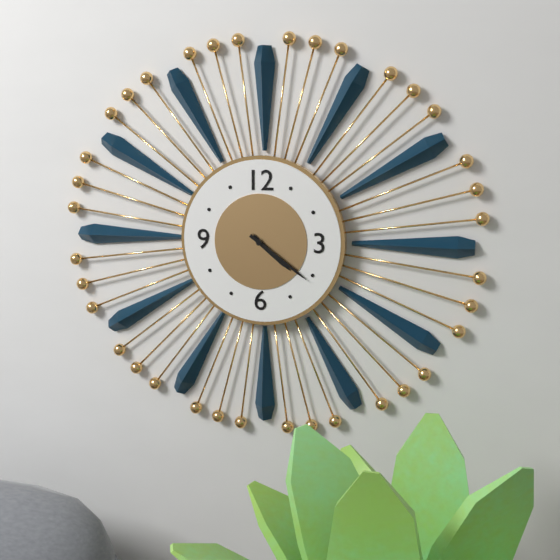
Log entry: 4:21
